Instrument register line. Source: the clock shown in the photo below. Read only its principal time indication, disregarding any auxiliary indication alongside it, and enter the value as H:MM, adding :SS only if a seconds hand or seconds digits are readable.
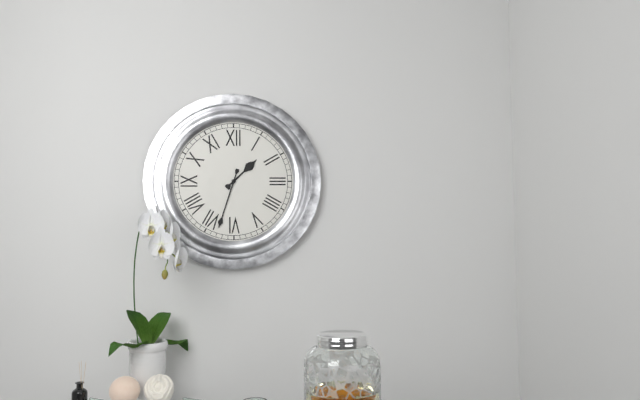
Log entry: 1:33
